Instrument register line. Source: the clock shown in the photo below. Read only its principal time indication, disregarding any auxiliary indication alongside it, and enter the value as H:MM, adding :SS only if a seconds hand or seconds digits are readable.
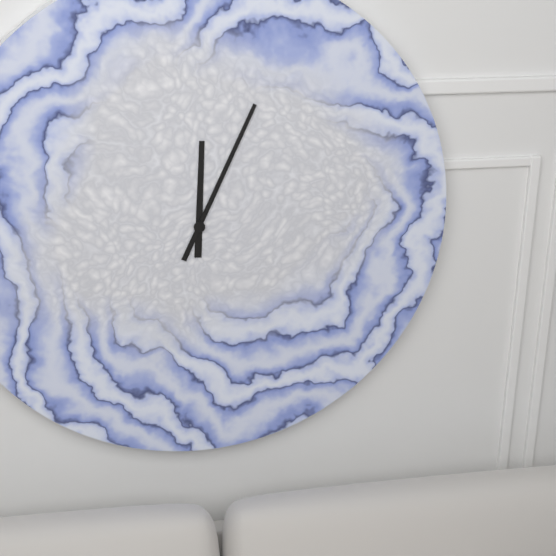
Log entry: 12:04
